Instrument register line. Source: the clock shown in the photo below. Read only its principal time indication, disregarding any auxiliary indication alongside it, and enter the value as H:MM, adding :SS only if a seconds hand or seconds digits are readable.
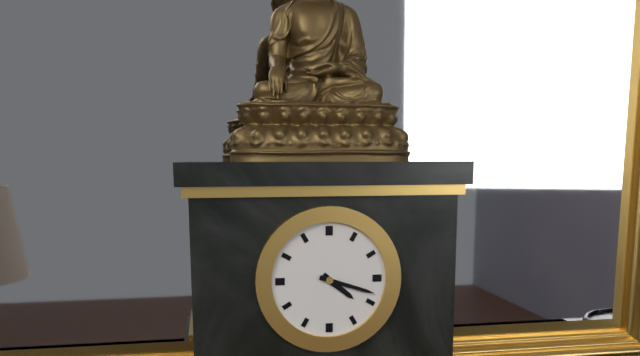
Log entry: 4:18
